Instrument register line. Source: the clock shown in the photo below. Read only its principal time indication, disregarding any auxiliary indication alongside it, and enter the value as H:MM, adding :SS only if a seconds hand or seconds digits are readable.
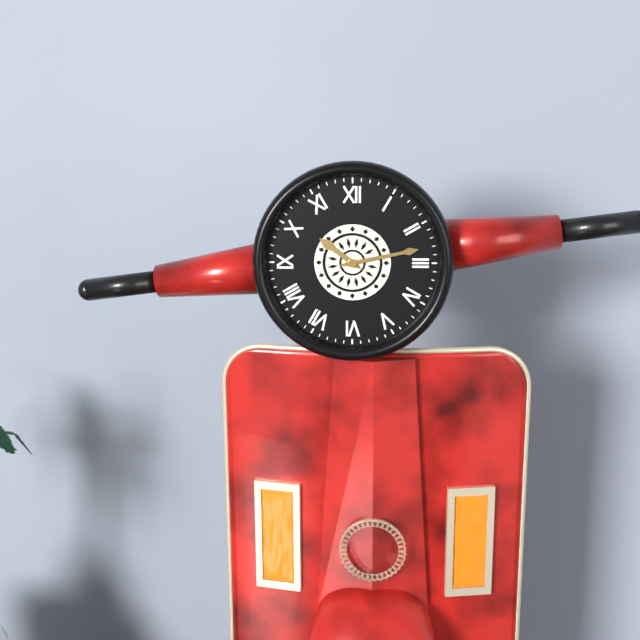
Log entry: 10:13
